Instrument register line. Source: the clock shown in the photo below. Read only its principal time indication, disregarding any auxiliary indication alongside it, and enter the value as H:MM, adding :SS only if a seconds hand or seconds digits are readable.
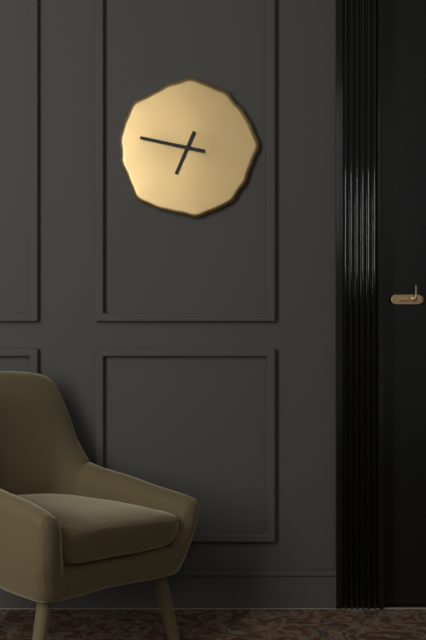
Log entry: 6:47
